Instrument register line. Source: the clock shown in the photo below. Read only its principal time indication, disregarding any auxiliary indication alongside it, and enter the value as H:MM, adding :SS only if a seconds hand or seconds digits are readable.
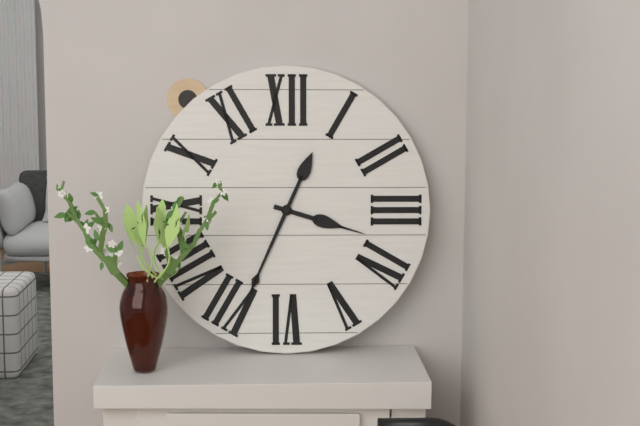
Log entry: 3:34
